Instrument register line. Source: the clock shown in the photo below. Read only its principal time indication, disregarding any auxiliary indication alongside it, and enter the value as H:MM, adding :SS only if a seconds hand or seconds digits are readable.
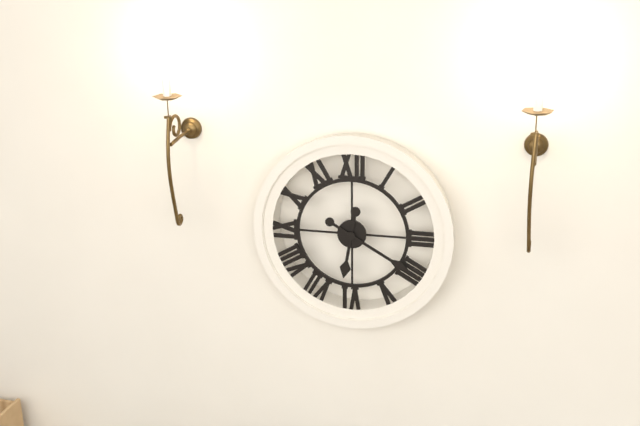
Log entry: 6:20
